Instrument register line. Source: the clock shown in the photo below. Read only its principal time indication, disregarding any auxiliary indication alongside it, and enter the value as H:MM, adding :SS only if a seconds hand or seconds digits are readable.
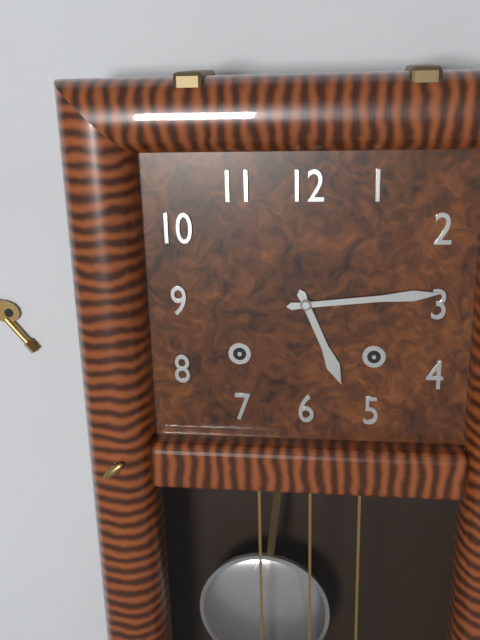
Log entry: 5:14
